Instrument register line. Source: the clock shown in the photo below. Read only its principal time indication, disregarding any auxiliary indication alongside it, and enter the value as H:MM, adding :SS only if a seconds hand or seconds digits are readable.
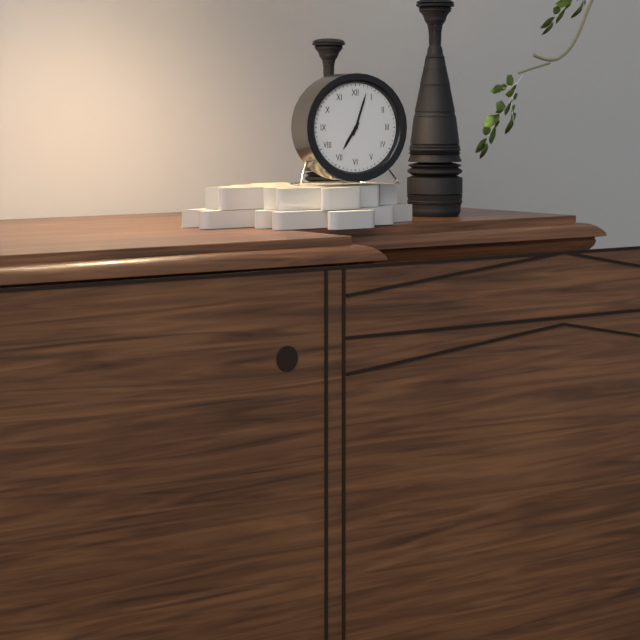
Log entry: 7:03
